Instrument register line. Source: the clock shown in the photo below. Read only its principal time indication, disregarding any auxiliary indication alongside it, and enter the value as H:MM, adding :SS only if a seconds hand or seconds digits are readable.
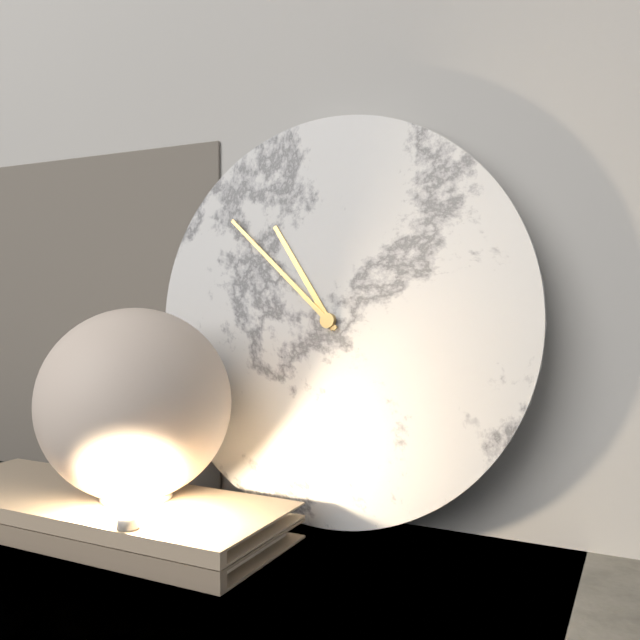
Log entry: 10:52
